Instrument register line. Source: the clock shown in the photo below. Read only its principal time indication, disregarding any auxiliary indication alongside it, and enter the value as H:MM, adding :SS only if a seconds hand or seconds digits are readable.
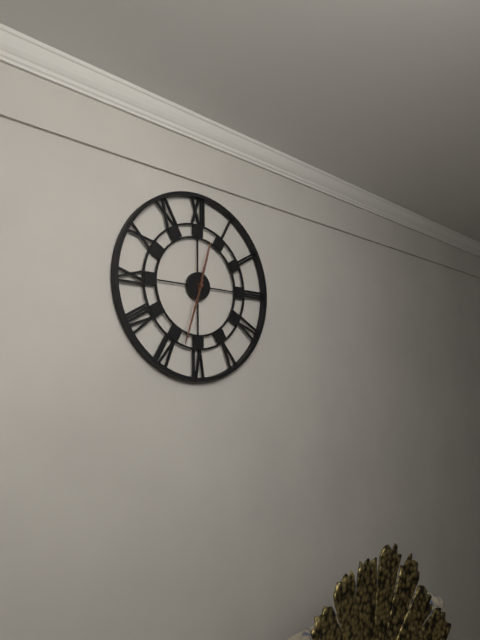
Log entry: 12:33
